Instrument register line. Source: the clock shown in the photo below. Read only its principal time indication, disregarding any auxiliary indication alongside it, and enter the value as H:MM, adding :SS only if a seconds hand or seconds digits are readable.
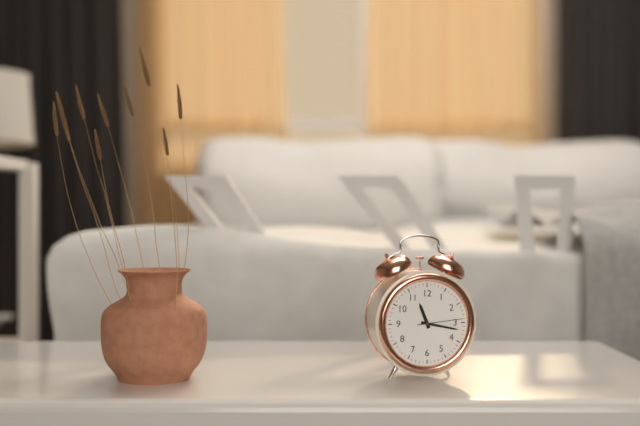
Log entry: 11:17
